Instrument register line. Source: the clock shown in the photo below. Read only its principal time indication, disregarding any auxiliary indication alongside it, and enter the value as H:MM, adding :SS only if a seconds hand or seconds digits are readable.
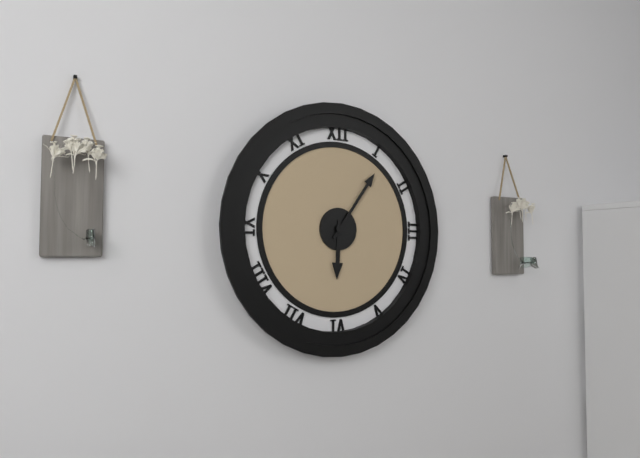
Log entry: 6:06
